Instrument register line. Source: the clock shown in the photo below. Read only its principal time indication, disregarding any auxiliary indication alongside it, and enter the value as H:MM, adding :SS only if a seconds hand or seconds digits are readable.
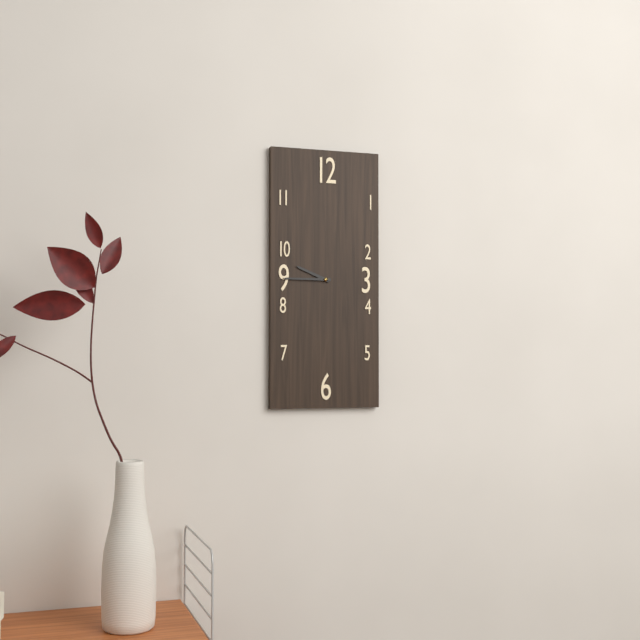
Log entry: 9:45
